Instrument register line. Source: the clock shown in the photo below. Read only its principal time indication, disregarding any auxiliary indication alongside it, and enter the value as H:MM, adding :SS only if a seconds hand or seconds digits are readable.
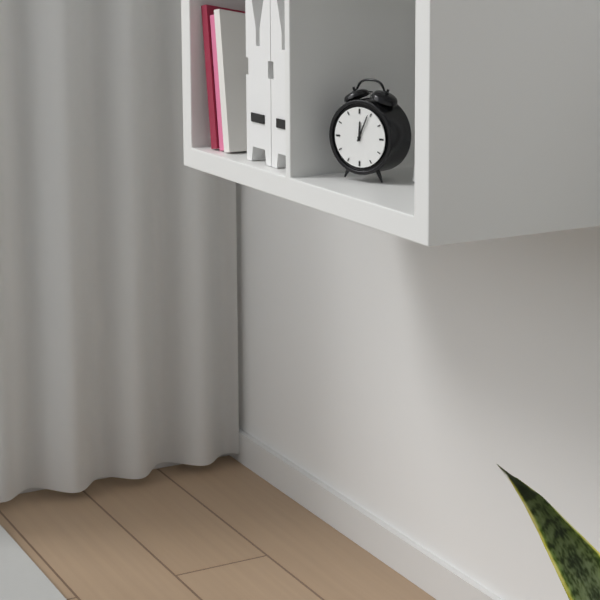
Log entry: 12:04
